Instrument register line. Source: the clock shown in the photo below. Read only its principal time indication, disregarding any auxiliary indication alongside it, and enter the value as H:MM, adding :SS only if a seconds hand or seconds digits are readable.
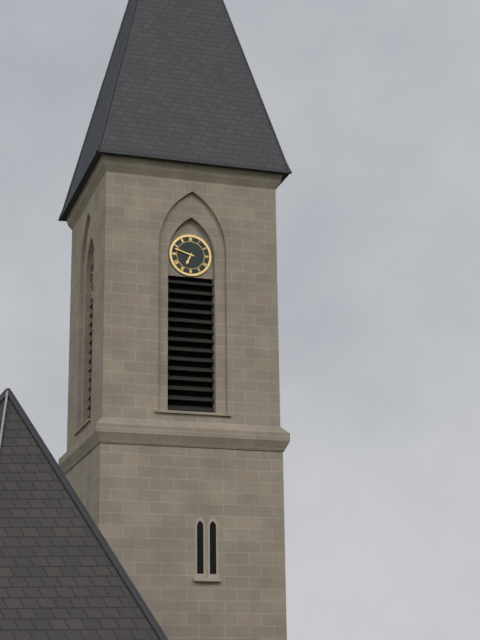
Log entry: 6:48
